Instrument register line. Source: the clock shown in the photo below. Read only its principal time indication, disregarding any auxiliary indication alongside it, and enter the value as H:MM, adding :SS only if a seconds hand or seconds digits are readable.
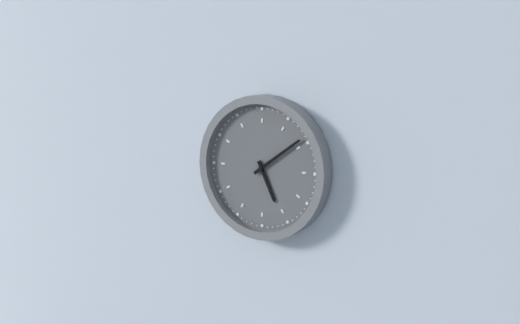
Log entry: 5:09
